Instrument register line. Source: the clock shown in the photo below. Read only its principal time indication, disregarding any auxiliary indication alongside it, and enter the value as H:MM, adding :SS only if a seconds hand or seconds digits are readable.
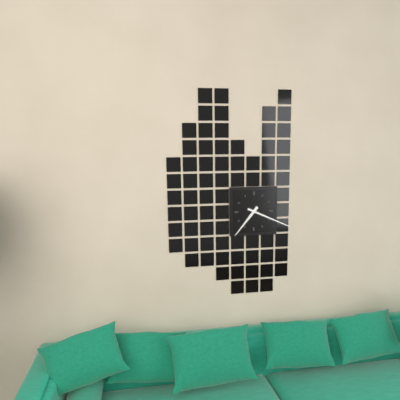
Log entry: 7:19
